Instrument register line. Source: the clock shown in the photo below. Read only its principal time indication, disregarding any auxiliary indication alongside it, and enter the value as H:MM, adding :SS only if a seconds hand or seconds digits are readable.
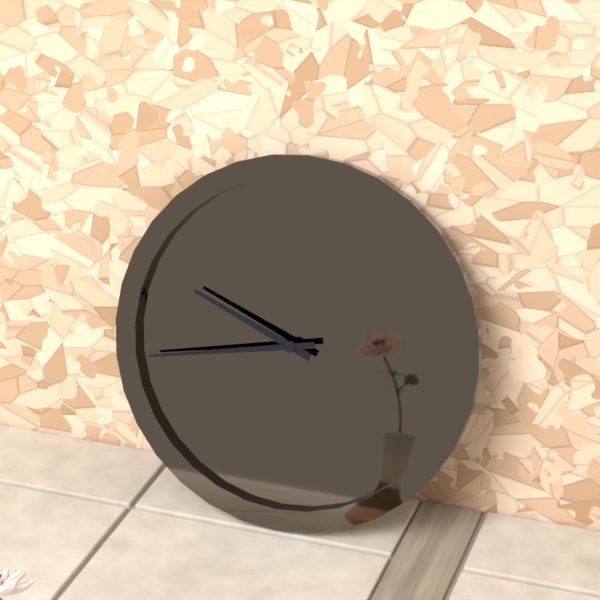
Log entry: 9:43
